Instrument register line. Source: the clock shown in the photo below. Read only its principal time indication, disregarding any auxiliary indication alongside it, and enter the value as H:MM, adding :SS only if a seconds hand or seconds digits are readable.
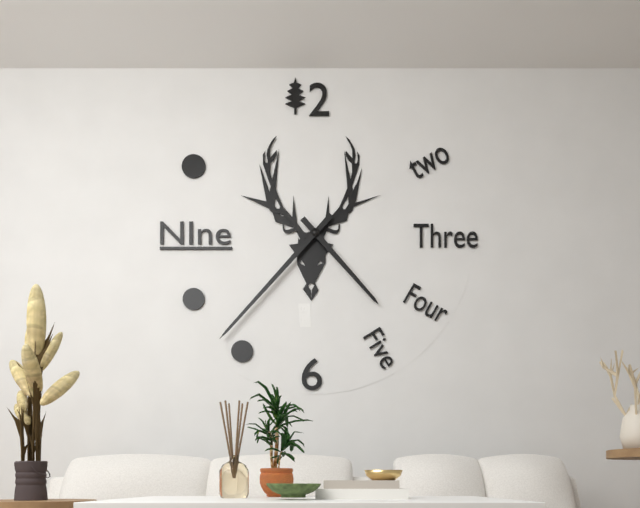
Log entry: 4:37
